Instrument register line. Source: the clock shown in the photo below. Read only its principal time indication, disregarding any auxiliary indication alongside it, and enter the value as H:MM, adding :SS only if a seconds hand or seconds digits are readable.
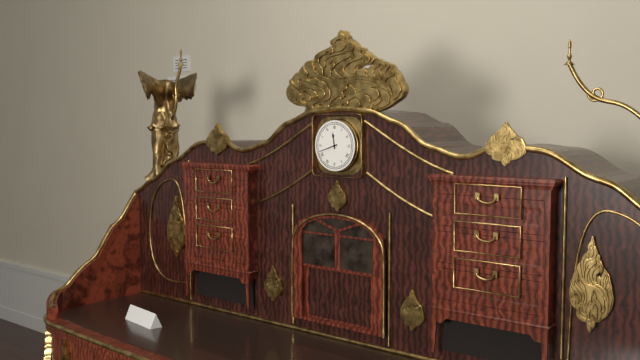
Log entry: 11:42
